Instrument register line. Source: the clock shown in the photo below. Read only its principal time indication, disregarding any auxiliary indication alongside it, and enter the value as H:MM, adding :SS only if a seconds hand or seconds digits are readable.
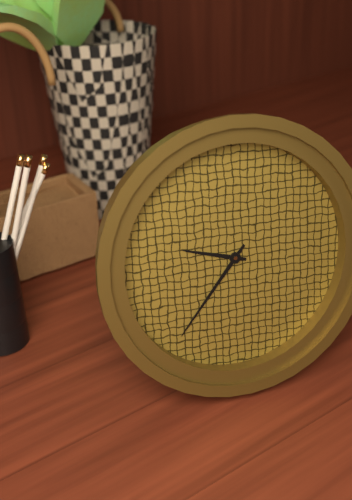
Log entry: 9:37
